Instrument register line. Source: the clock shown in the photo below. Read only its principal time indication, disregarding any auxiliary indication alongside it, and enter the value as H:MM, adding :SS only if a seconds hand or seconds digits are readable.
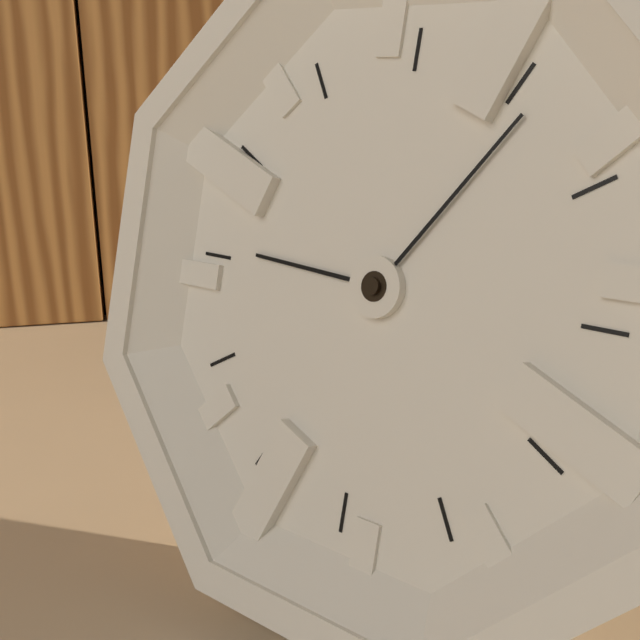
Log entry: 9:06
